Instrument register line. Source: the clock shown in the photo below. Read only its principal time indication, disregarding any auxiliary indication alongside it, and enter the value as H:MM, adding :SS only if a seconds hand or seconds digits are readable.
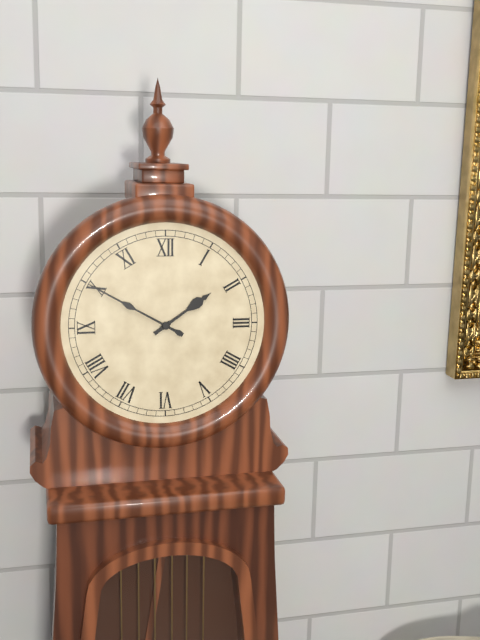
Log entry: 1:50
